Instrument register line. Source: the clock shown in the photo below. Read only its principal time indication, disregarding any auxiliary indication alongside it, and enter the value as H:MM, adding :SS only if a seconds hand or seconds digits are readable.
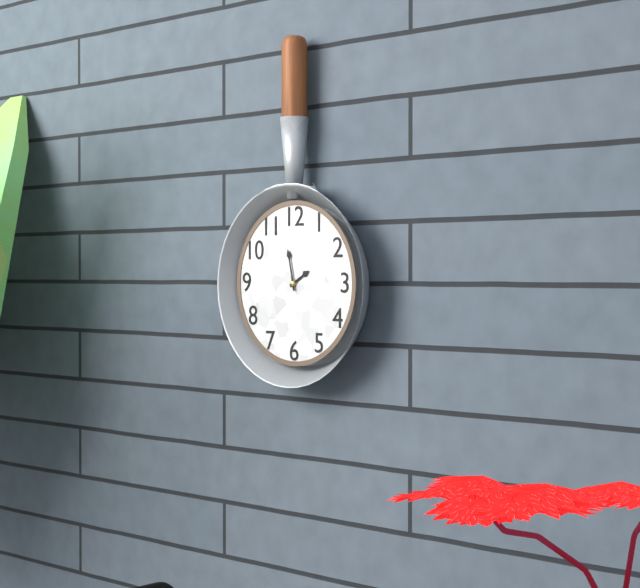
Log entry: 1:58
